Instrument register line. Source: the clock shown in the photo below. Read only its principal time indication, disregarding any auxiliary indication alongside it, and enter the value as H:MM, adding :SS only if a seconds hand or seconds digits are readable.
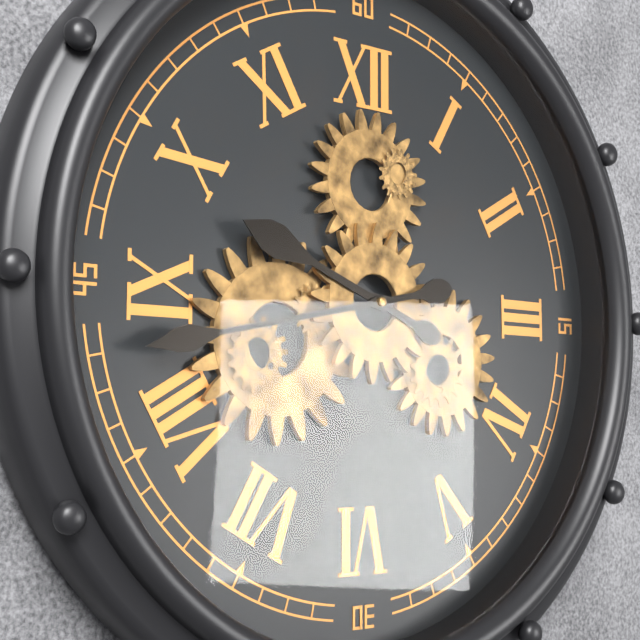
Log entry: 9:43
